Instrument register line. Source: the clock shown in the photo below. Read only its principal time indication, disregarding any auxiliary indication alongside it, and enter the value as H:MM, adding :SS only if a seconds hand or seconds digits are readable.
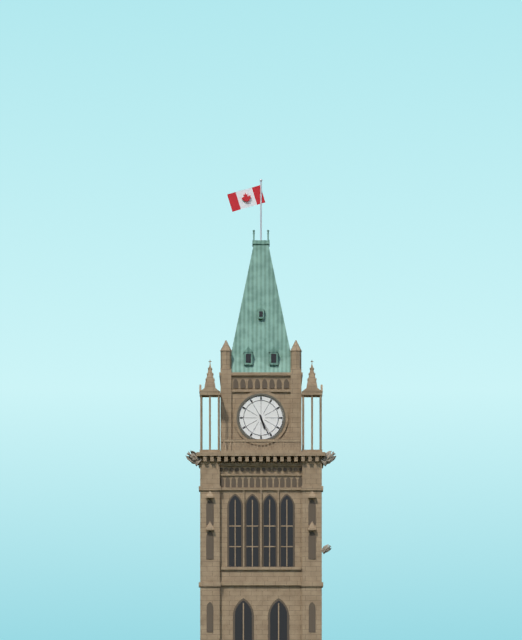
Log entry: 5:26
